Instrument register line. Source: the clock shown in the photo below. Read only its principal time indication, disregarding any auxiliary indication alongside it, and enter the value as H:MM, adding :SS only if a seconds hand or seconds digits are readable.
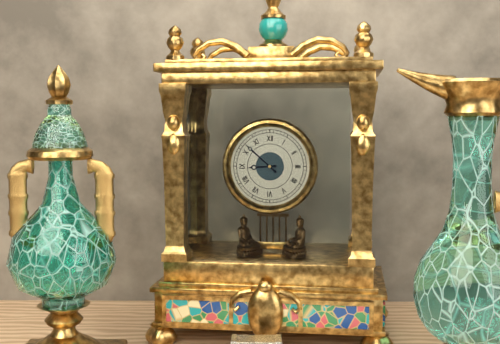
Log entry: 8:52
